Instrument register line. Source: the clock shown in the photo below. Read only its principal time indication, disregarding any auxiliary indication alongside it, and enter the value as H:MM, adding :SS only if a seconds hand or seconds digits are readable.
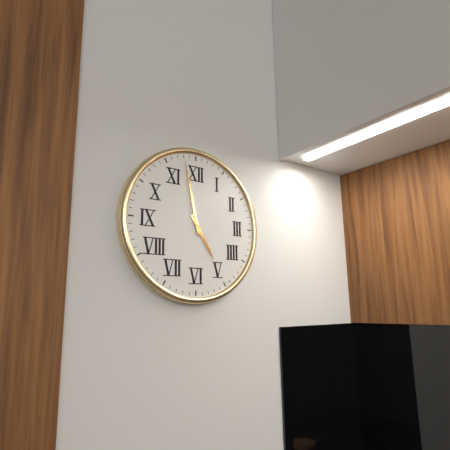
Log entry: 4:58
